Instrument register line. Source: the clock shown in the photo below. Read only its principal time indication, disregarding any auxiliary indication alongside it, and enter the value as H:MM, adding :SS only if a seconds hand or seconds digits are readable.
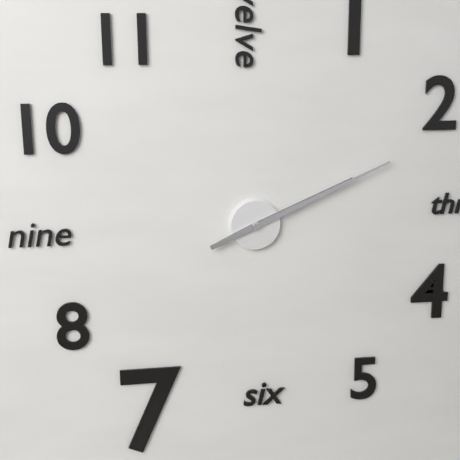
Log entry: 2:11
